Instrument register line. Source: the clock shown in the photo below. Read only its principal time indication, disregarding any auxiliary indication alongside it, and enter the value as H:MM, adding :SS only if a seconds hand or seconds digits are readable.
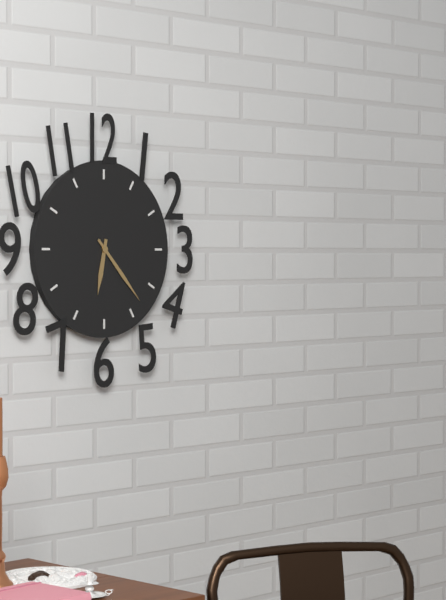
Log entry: 6:23
